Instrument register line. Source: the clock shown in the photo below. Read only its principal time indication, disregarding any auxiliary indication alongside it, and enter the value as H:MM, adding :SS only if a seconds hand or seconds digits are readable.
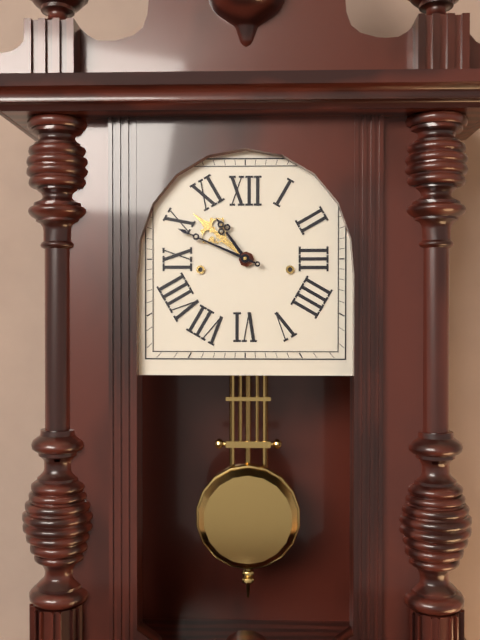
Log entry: 10:49
